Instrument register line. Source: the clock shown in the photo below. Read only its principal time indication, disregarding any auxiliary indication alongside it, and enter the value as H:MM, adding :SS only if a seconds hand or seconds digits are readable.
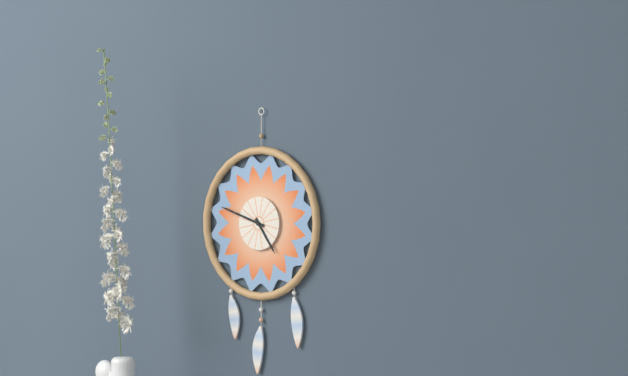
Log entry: 4:48
